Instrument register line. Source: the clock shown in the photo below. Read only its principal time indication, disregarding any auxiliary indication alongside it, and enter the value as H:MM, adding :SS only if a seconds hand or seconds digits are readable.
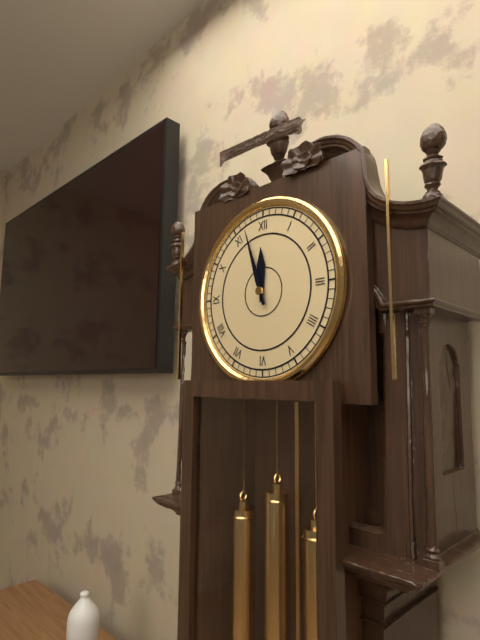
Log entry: 11:57
